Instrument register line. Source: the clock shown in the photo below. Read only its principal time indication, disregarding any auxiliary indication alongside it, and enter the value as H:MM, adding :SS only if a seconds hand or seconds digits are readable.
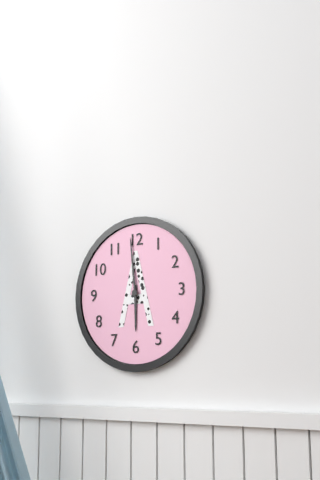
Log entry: 5:59
